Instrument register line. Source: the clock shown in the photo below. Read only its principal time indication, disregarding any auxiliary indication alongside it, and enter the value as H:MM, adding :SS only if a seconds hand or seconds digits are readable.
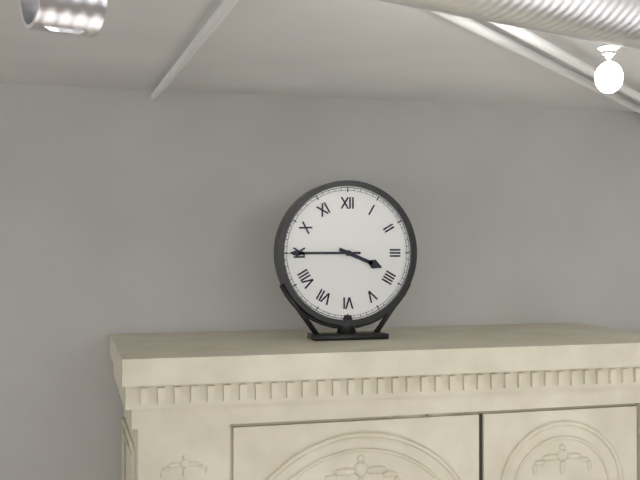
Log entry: 3:45
